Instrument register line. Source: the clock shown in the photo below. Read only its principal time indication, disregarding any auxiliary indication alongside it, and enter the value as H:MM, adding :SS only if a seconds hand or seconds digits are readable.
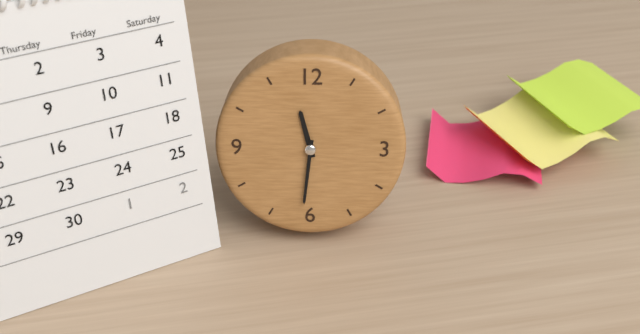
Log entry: 11:31
